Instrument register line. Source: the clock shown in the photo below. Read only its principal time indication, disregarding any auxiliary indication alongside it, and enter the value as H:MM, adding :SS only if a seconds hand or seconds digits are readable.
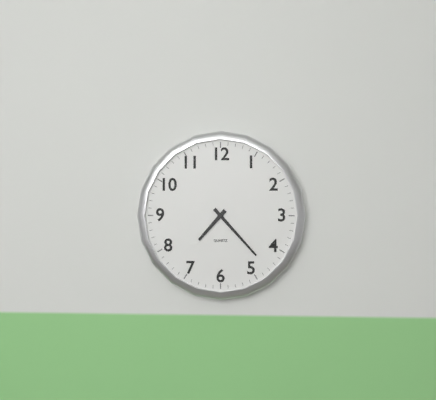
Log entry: 7:23
